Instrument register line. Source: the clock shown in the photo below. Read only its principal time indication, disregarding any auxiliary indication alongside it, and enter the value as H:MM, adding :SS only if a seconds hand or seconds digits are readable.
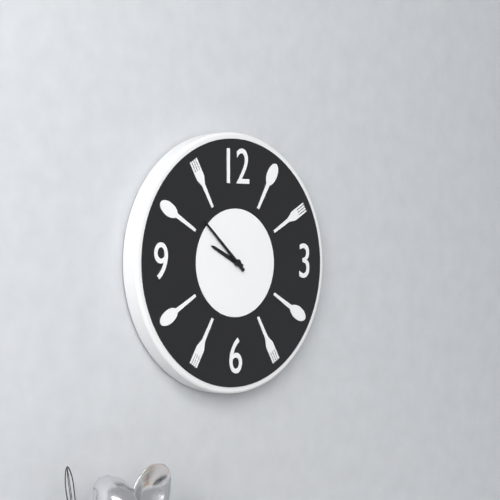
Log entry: 9:52
